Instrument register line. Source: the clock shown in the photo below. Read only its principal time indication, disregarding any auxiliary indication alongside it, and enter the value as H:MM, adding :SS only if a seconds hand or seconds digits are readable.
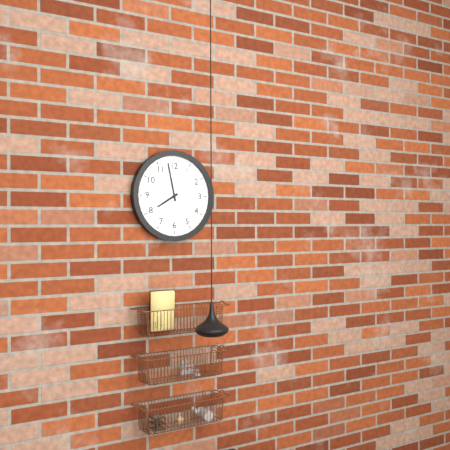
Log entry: 7:58
